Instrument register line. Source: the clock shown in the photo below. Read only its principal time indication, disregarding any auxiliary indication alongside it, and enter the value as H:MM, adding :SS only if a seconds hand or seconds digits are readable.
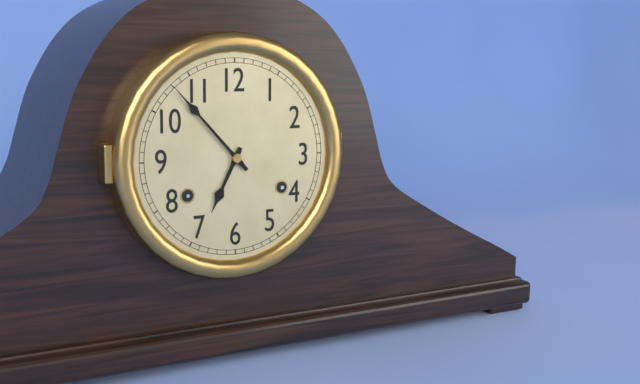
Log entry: 6:53
